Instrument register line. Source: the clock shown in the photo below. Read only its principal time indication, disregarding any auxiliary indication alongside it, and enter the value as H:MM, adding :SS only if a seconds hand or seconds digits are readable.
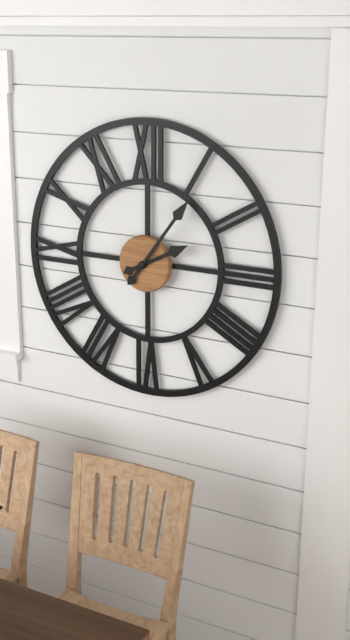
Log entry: 2:06
